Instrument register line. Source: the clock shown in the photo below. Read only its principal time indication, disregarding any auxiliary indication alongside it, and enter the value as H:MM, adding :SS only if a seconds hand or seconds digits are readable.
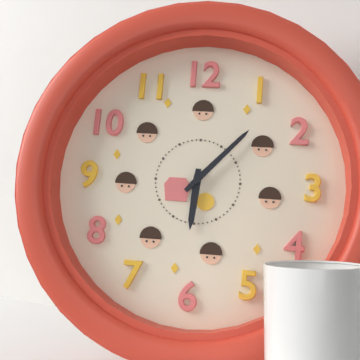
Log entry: 6:07
